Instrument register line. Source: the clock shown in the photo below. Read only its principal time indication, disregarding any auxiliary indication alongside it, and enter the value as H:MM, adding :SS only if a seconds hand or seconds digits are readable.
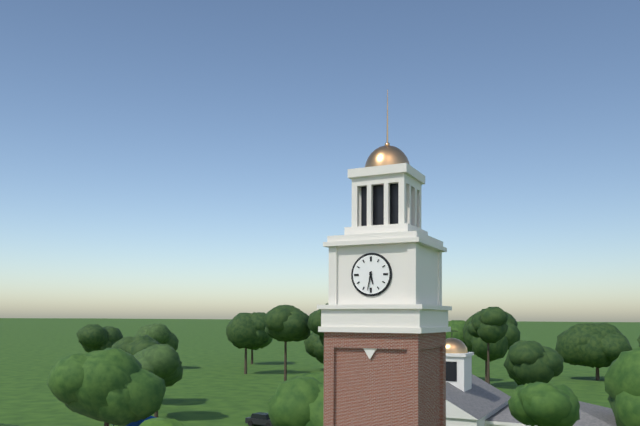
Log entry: 5:32
